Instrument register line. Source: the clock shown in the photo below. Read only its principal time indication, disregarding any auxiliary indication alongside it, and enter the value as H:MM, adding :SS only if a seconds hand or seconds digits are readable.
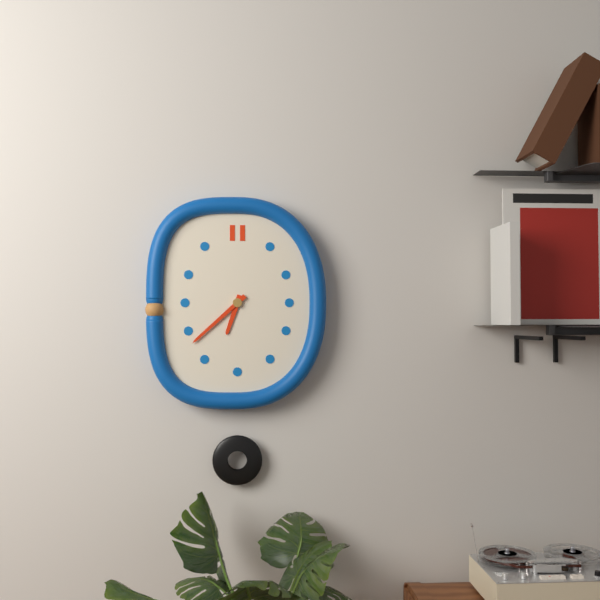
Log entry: 6:38
